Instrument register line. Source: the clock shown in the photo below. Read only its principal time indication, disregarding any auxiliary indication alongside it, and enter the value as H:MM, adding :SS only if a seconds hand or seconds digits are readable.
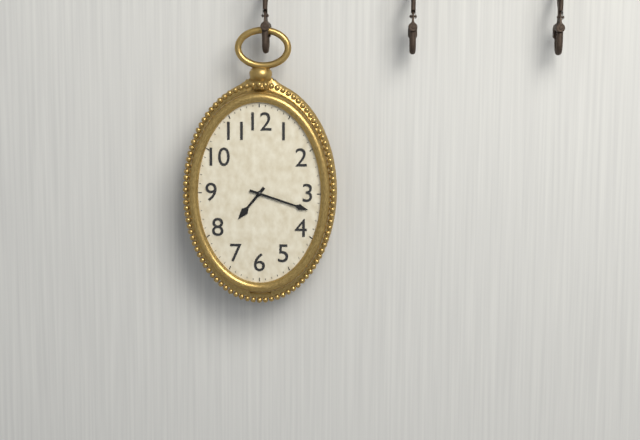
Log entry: 7:18
